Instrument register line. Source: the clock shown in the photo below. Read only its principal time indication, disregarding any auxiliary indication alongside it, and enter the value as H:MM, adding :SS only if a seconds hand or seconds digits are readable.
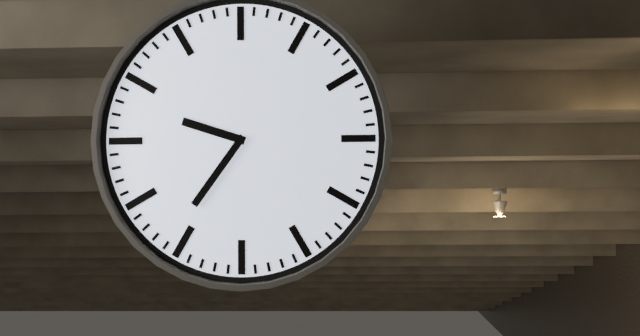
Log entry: 9:36
